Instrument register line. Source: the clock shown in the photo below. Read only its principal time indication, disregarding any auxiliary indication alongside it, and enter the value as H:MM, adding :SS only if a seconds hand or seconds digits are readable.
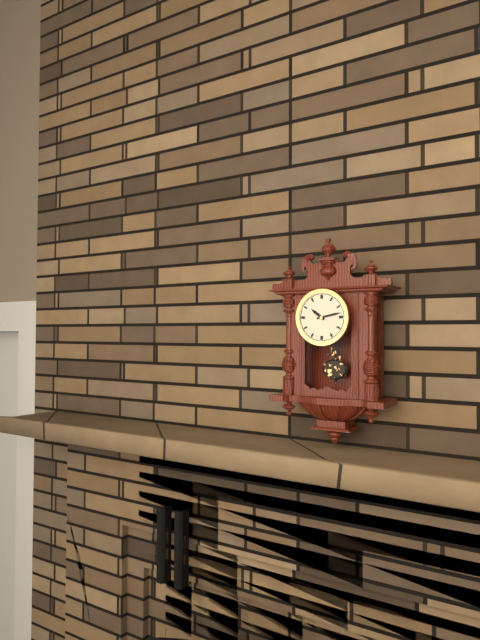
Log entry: 10:13
